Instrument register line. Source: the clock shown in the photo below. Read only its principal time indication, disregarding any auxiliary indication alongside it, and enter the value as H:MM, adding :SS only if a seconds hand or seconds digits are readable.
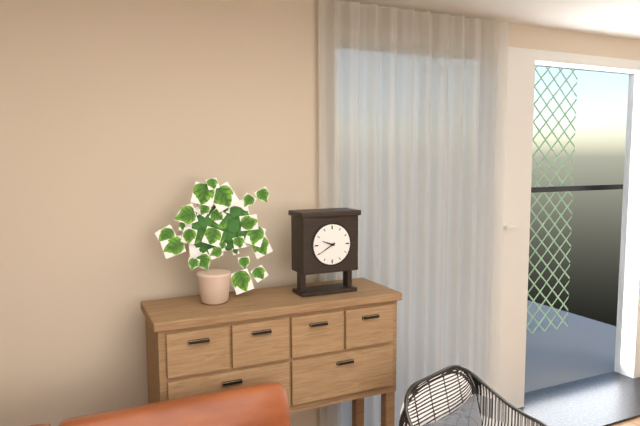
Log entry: 9:40
